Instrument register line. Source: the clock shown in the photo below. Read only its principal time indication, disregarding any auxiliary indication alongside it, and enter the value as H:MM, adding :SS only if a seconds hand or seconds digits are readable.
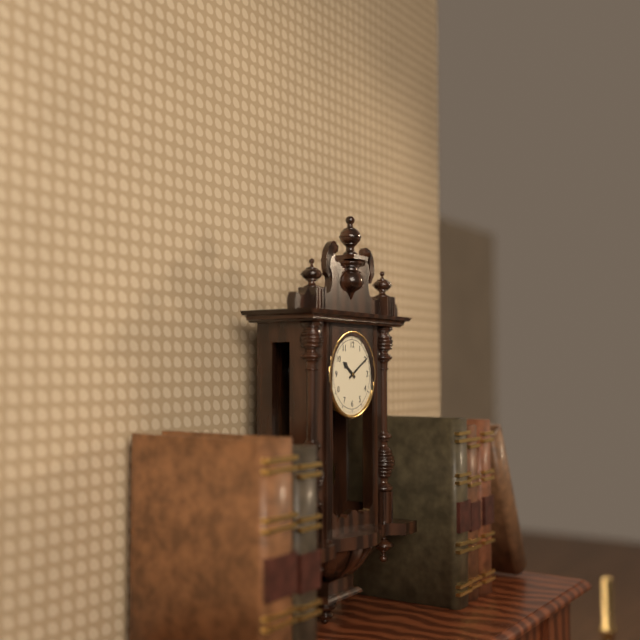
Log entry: 10:10
